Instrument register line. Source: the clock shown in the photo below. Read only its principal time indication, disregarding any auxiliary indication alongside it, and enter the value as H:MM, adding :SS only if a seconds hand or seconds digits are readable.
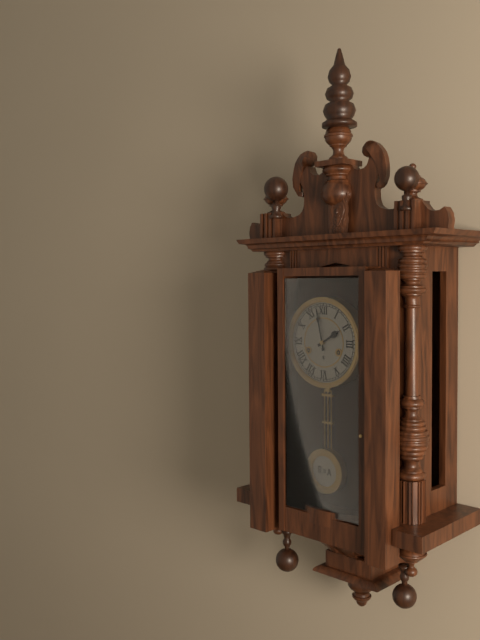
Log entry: 1:58
